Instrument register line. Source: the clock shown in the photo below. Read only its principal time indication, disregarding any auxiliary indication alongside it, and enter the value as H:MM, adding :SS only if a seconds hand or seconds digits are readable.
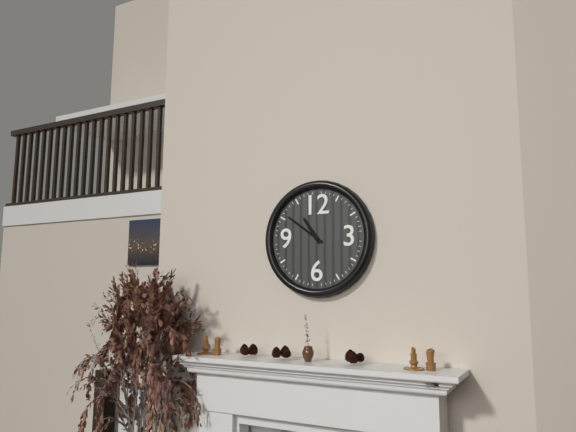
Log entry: 10:51
